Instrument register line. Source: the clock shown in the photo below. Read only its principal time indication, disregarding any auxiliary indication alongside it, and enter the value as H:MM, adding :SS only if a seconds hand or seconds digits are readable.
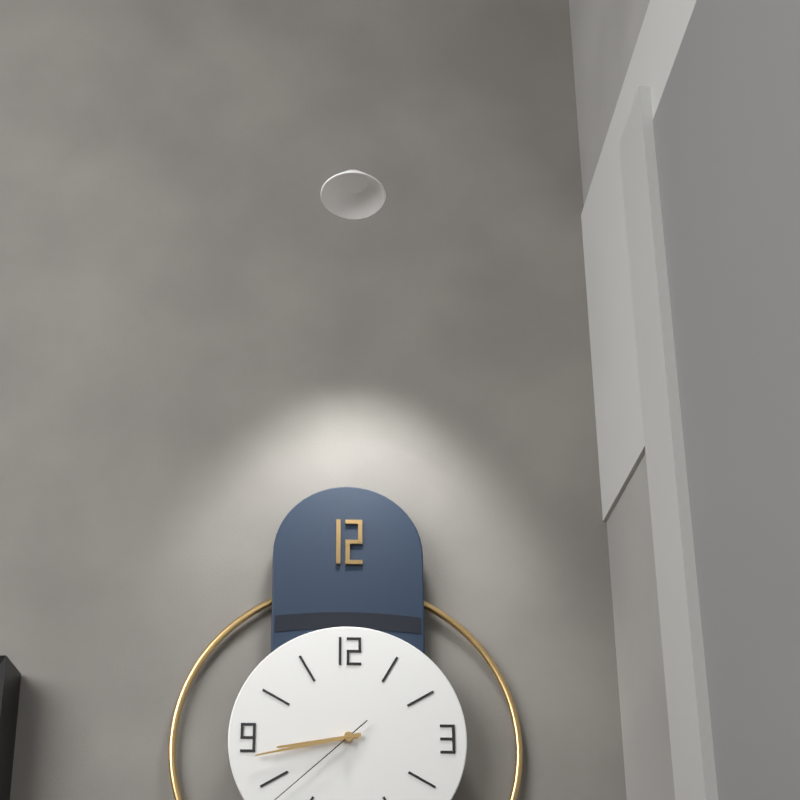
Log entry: 8:43
